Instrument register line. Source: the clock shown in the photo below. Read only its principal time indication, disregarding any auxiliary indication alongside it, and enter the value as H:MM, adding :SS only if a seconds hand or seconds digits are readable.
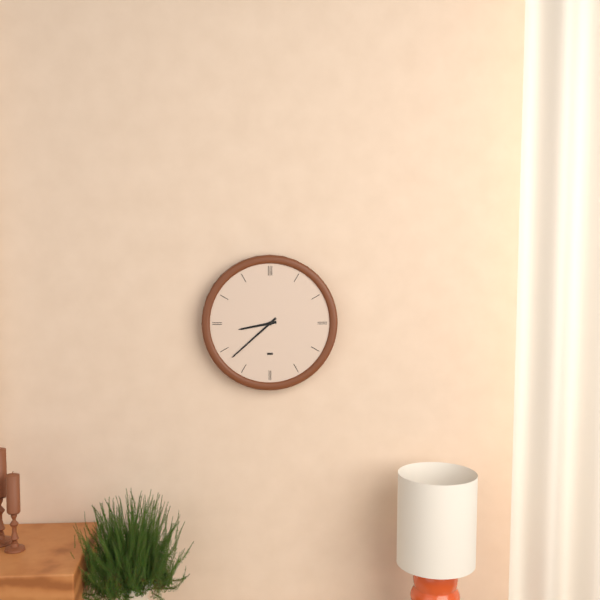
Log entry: 8:38
